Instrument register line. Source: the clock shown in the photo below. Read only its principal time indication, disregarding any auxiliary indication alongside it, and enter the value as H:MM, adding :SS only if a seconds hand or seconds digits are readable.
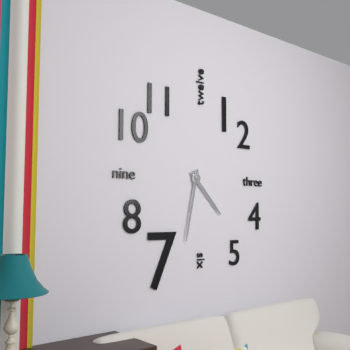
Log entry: 4:32
